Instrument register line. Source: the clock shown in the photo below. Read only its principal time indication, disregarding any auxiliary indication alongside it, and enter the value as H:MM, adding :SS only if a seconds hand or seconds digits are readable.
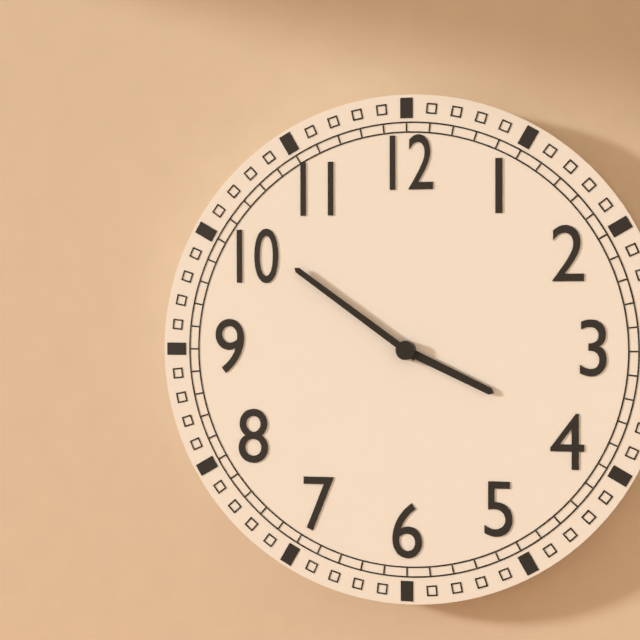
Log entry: 3:51
